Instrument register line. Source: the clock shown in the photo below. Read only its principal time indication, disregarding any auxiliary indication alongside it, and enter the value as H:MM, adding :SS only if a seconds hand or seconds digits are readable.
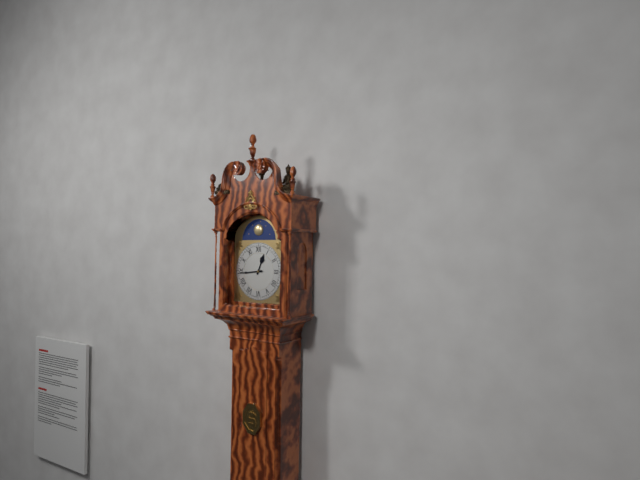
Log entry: 12:44
